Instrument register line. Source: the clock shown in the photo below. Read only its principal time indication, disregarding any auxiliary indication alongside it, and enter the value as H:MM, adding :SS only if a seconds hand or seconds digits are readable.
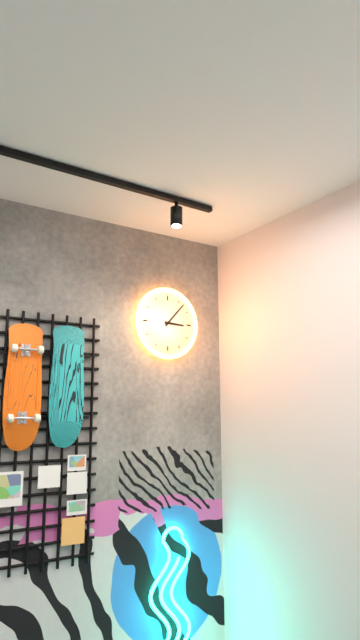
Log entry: 3:07
